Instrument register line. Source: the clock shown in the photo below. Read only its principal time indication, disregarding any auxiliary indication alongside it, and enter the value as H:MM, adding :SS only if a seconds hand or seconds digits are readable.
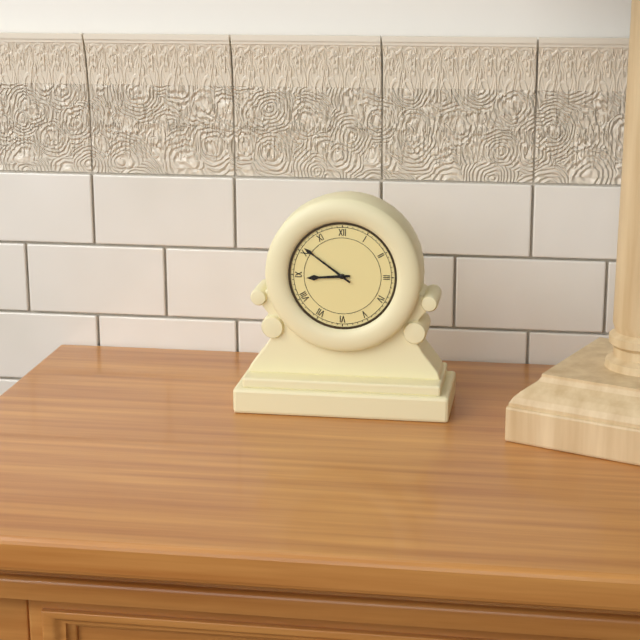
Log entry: 8:51
